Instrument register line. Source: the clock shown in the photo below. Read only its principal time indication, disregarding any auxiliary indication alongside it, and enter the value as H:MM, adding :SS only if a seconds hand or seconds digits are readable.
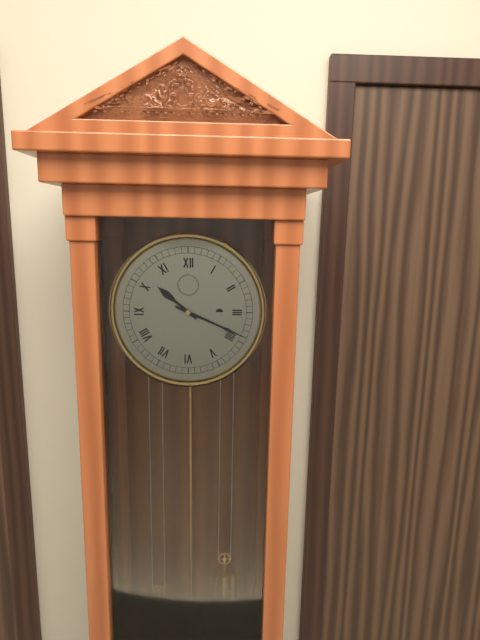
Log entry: 10:19
